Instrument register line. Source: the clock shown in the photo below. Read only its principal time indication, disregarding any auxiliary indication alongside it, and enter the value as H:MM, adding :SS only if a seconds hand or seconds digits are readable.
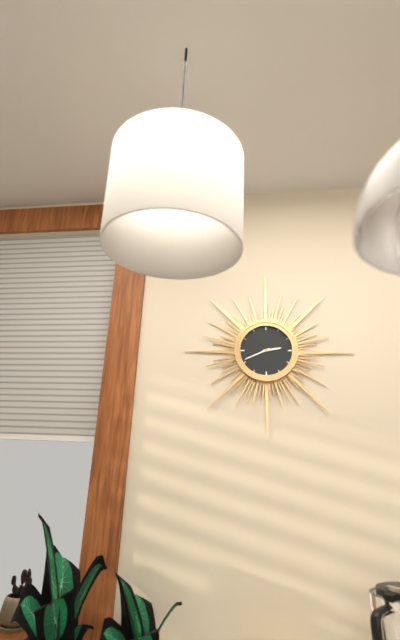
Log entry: 2:41
